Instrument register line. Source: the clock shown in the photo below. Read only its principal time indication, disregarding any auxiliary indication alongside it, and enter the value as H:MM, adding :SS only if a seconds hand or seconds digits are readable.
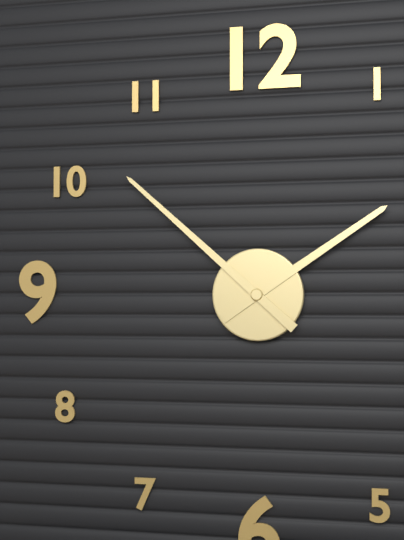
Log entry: 1:52
